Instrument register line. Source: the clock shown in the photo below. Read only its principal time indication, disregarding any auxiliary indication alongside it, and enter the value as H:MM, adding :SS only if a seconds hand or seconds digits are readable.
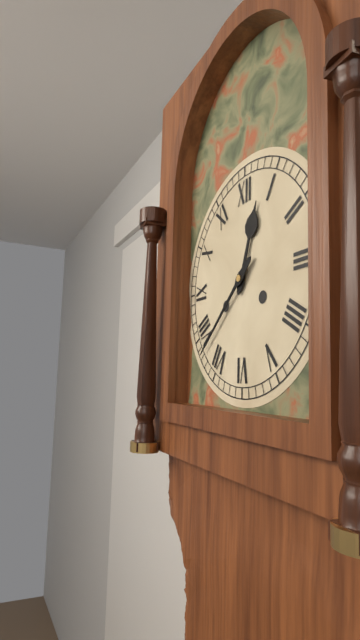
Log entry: 12:38
